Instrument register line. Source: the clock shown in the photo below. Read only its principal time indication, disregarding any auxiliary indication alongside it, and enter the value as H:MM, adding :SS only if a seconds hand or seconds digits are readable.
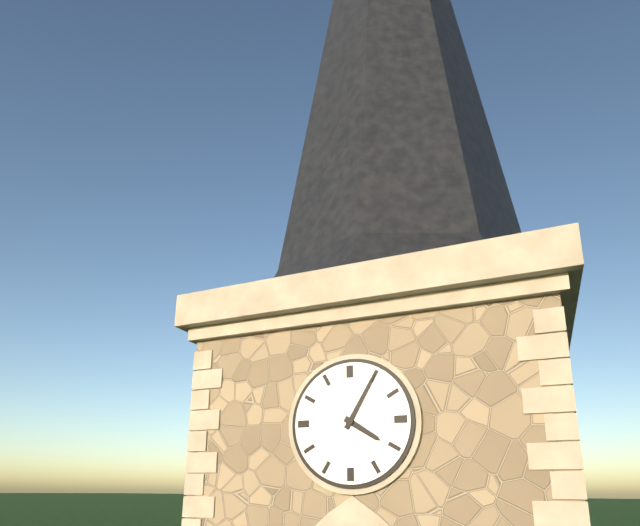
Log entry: 4:05
